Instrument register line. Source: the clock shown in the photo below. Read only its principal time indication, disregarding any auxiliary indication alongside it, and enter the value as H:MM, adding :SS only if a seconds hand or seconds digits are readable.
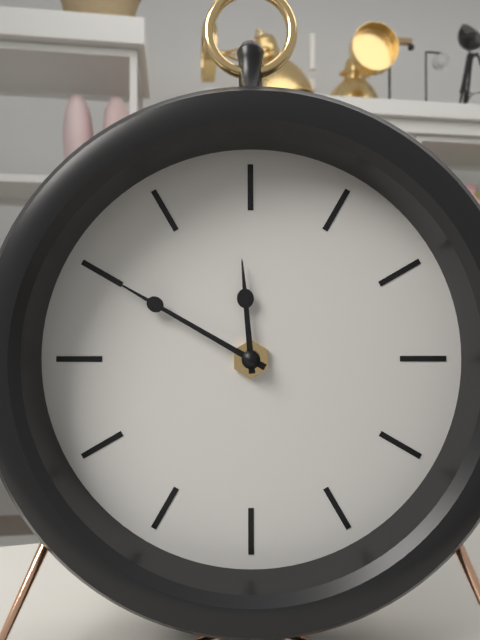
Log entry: 11:50
